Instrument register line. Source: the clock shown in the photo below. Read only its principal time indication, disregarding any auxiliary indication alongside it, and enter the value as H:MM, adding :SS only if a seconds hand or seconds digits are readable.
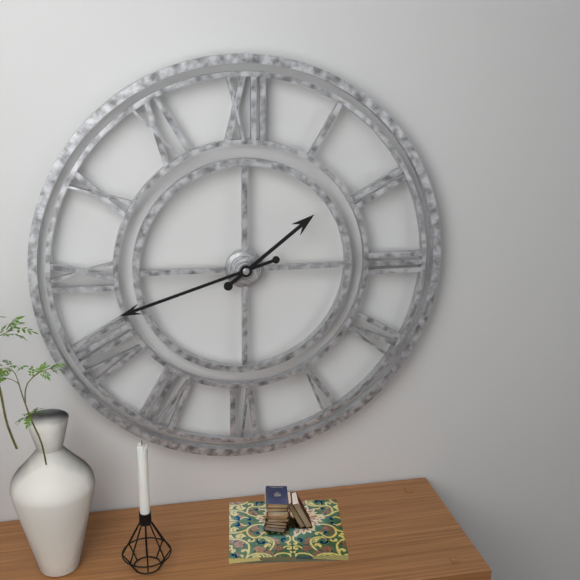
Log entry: 1:42
